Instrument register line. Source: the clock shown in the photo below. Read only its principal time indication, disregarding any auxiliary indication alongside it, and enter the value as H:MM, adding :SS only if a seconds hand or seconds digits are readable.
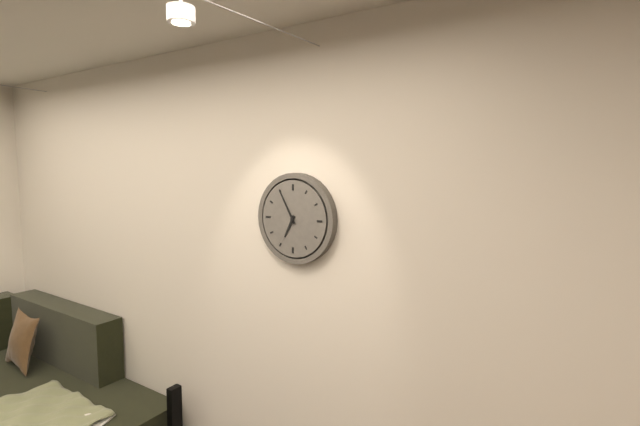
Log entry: 6:55
